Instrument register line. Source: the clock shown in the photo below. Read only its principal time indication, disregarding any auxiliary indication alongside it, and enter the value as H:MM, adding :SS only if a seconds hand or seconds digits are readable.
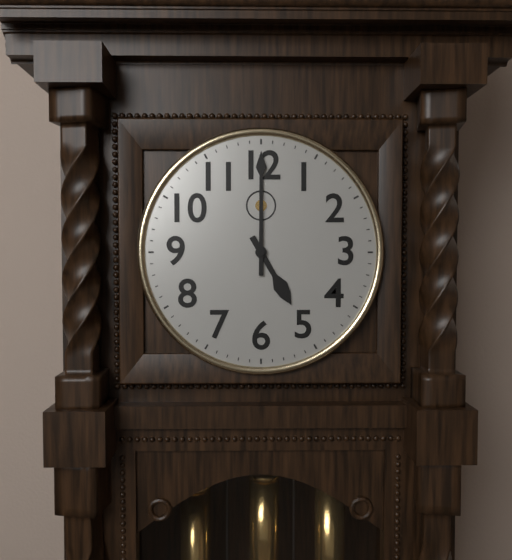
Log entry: 5:00
